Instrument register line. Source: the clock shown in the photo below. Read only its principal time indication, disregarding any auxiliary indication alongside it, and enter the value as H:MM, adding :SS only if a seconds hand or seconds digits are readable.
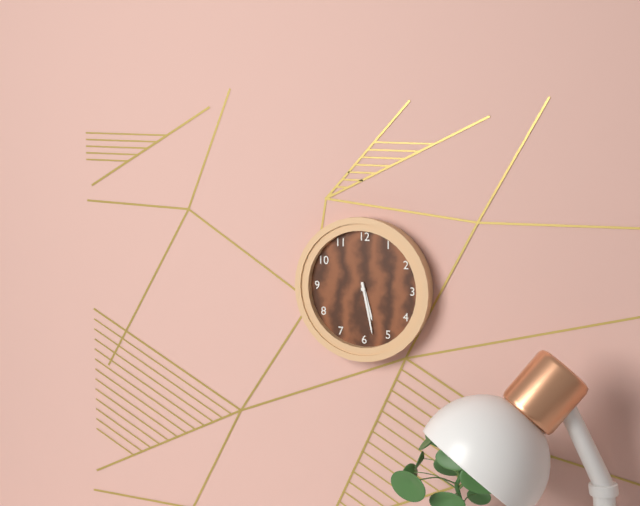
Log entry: 5:28
